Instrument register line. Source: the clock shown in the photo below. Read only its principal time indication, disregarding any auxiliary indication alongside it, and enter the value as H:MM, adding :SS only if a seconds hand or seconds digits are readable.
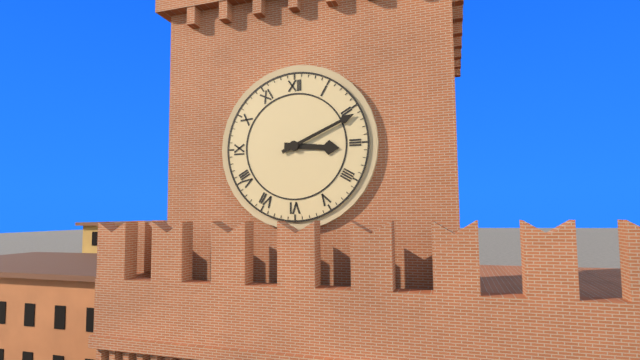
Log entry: 3:11
